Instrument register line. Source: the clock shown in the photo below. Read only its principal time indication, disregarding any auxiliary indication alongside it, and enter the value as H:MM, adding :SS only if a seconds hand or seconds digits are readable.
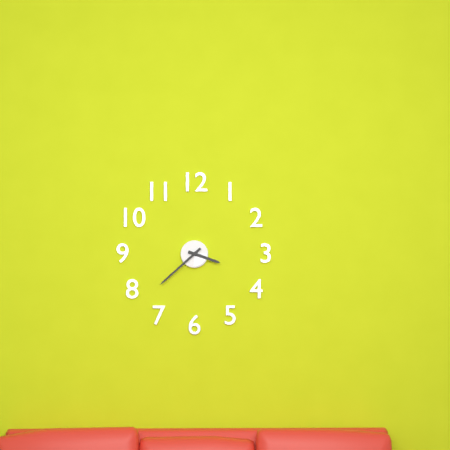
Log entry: 3:38
